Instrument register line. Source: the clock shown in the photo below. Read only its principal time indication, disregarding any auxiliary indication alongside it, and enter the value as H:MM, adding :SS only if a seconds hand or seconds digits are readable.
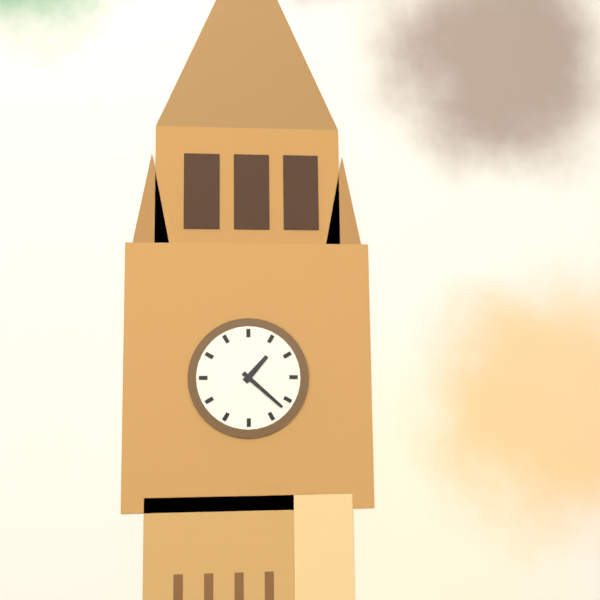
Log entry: 1:22
